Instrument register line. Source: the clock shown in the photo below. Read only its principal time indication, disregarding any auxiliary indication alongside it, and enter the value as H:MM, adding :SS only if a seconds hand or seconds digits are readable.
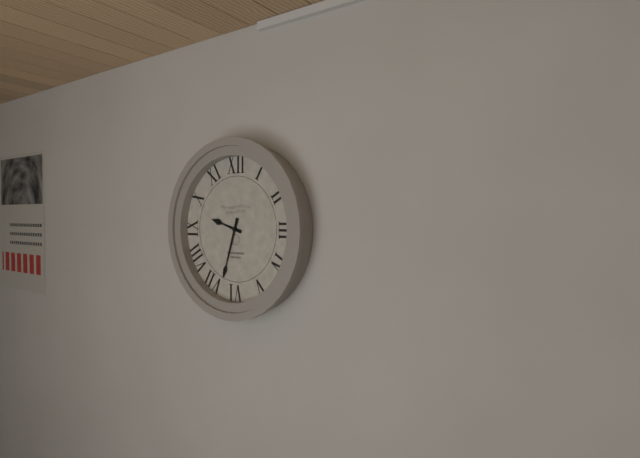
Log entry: 9:33
